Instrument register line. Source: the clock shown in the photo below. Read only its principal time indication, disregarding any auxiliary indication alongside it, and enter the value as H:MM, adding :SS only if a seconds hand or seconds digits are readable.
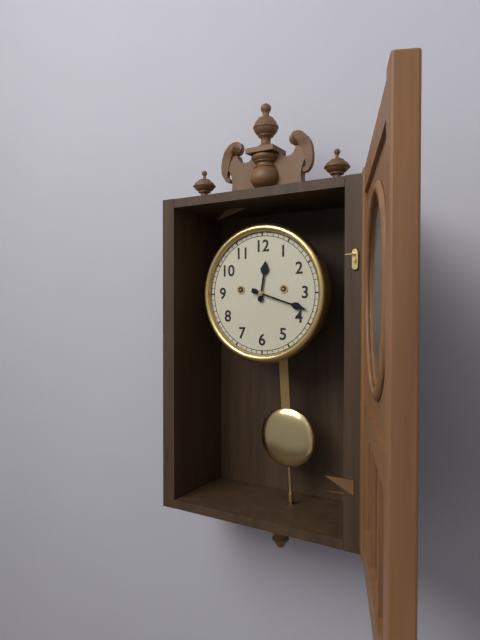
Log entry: 12:18
